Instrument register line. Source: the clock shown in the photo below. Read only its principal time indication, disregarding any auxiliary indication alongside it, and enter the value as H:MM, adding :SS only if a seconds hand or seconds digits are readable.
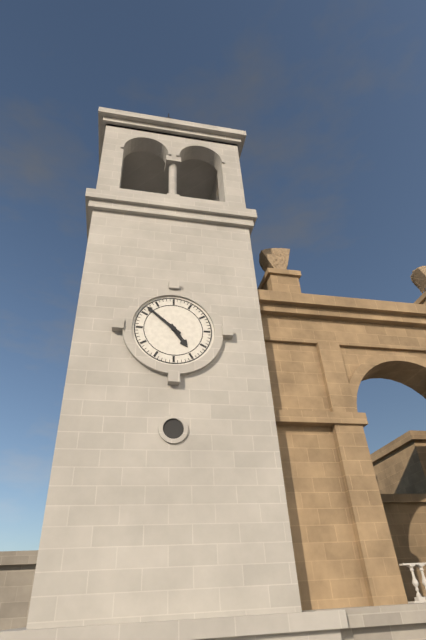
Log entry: 4:52
